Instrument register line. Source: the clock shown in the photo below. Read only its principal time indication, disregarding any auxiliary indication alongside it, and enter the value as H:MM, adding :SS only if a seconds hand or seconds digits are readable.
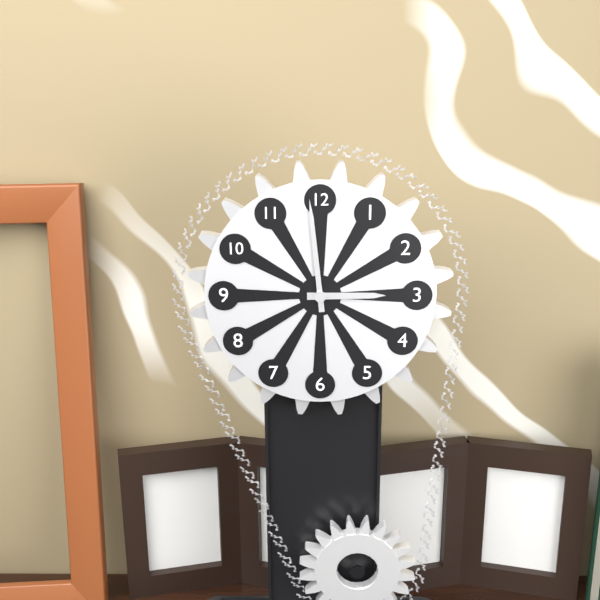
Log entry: 2:59
